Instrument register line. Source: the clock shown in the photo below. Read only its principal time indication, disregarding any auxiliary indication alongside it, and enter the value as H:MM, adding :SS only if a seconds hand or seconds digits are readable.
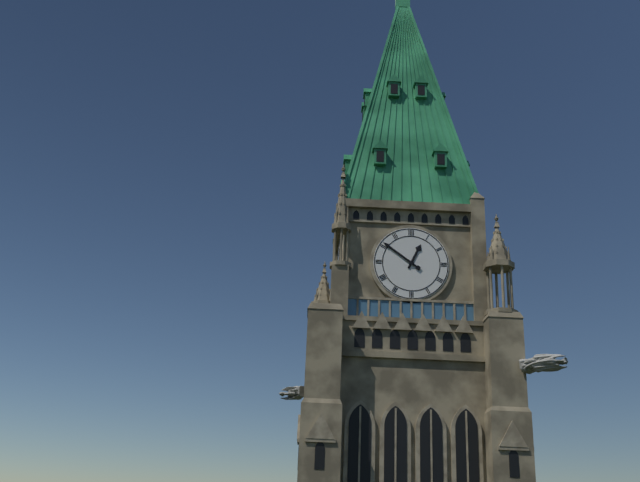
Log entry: 12:51
